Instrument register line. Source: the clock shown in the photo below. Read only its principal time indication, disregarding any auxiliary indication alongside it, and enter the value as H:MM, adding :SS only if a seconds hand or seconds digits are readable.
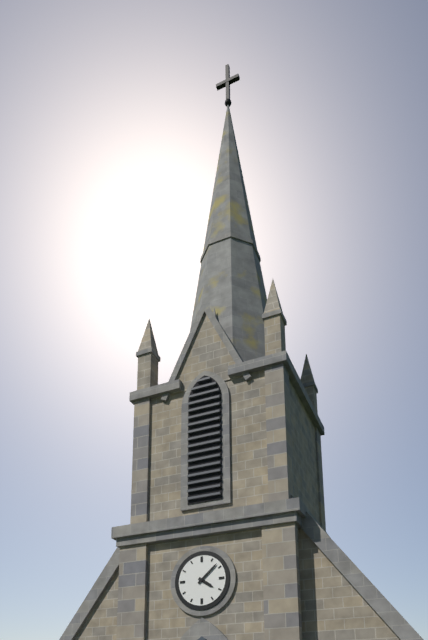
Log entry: 4:08
